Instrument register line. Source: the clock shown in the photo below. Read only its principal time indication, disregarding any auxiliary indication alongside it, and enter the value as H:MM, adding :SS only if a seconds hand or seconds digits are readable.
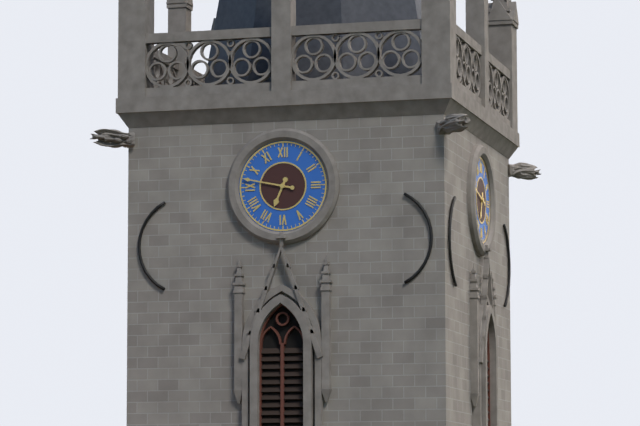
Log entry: 6:47
